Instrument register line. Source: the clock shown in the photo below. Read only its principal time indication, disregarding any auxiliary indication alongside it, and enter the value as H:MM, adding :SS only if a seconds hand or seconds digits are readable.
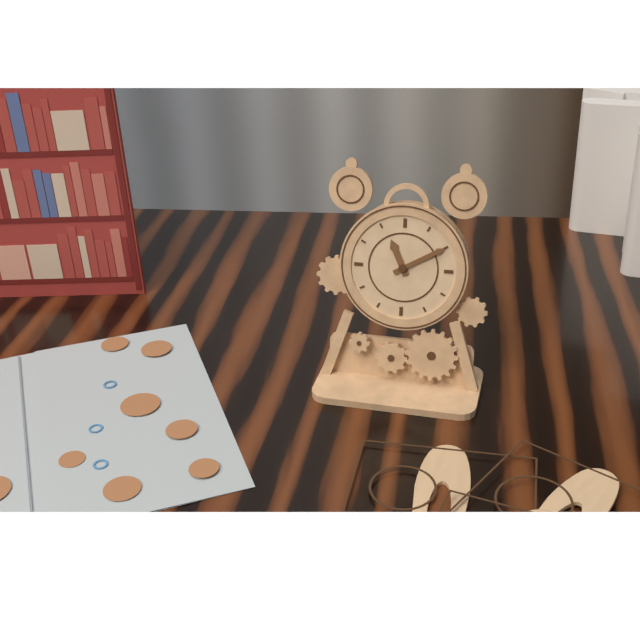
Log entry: 11:10
